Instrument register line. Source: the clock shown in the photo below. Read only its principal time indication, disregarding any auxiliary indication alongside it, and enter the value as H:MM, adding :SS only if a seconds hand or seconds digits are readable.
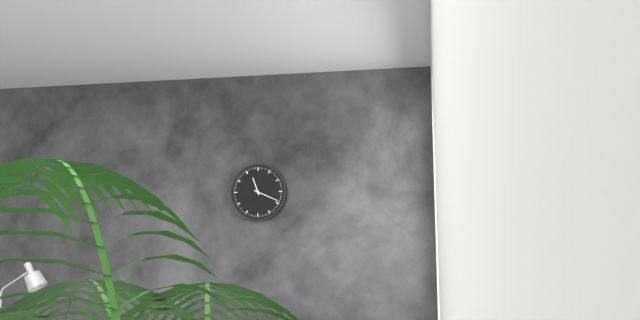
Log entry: 11:19
